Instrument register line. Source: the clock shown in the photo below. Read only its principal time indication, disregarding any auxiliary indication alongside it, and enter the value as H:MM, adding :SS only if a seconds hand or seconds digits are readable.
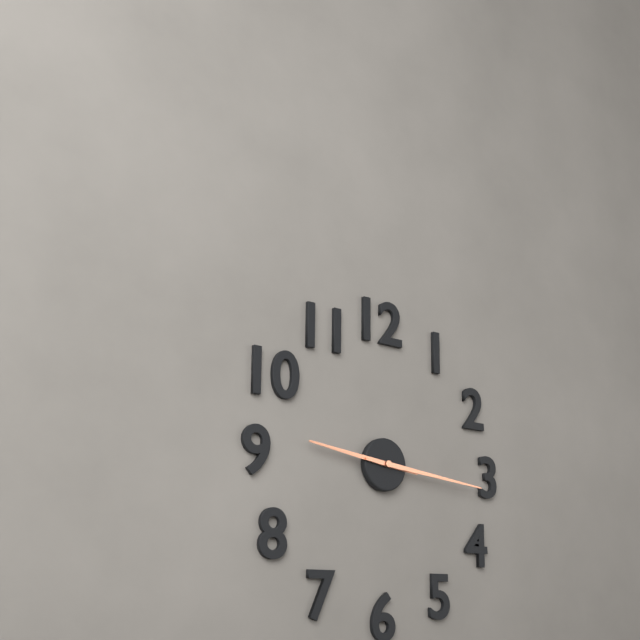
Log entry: 9:16
